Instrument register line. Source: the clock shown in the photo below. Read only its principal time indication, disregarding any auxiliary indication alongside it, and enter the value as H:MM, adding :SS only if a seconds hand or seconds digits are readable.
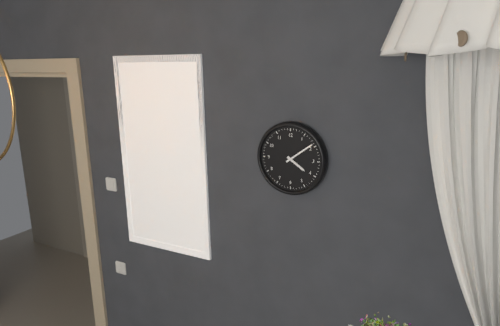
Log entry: 4:09
